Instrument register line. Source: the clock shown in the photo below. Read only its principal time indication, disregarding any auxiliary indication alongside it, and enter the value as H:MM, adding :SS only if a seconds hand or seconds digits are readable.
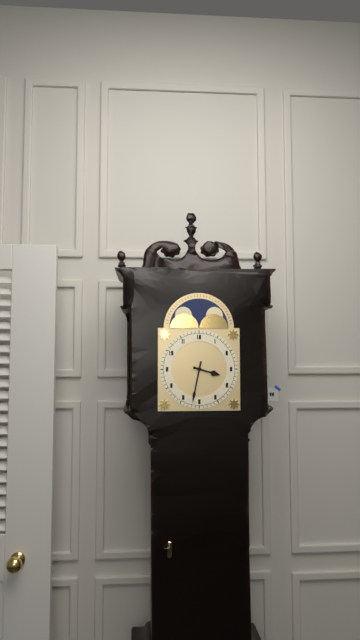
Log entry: 3:32
